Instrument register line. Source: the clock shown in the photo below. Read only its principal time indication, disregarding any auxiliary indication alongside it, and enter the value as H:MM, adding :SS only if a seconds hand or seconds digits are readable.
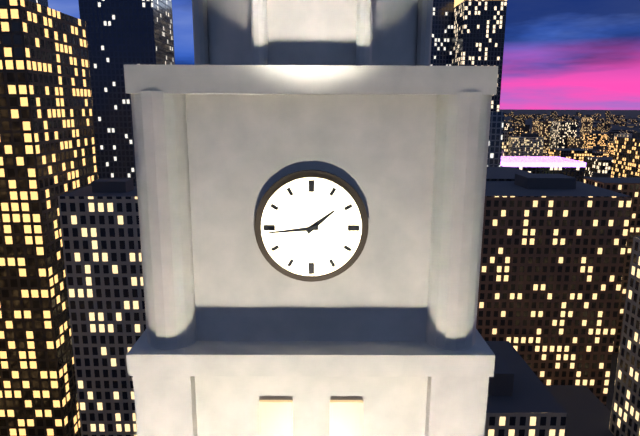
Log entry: 1:44
